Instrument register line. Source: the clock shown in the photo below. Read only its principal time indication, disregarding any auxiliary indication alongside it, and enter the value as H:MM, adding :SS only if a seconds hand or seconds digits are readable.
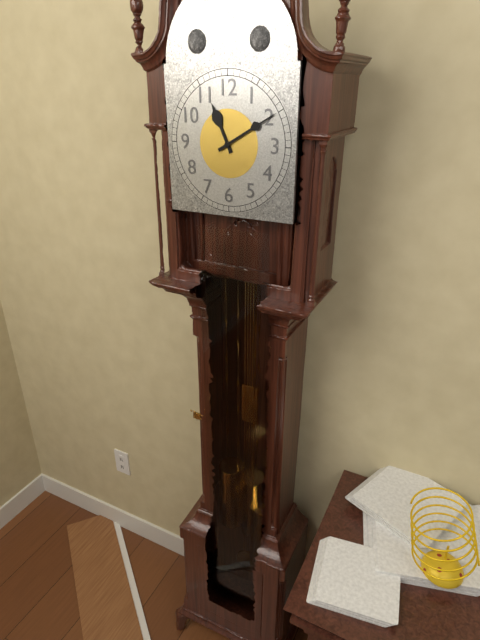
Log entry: 11:10
